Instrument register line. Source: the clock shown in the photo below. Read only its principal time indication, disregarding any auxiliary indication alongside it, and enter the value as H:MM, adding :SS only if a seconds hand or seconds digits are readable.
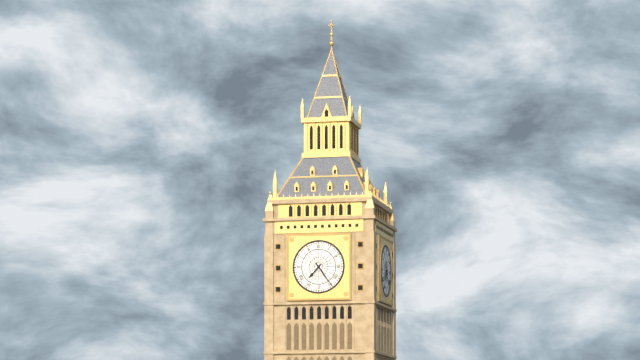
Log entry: 7:24
